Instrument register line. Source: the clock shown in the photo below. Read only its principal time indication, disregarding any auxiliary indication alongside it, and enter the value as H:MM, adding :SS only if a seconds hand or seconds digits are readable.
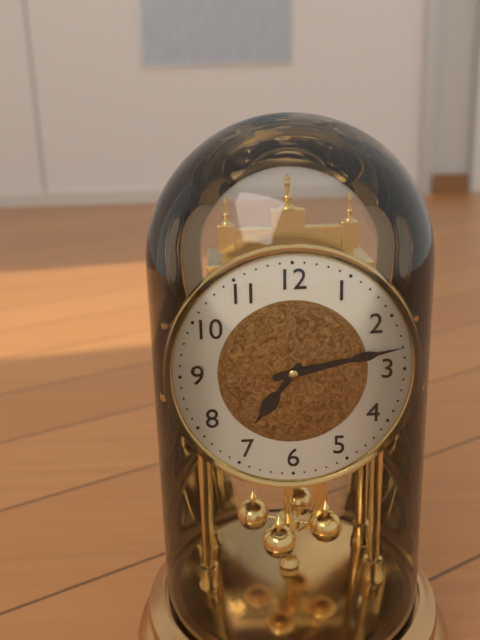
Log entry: 7:13
